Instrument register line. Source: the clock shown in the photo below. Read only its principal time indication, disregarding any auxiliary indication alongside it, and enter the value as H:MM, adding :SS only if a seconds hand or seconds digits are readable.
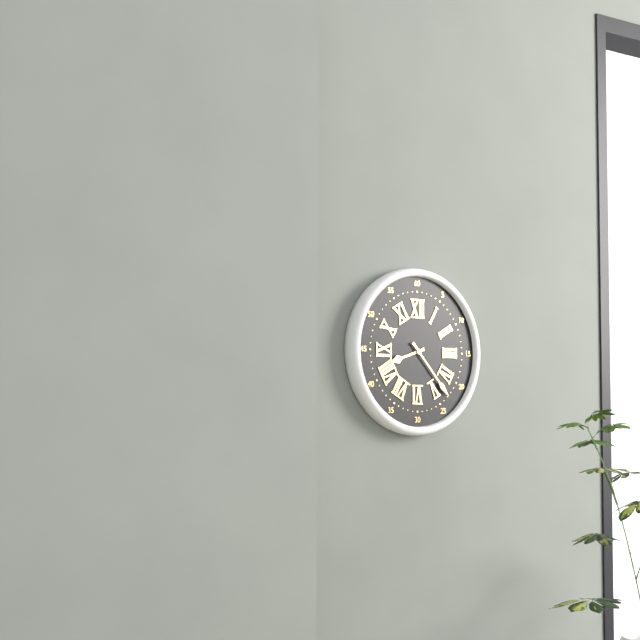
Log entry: 8:23
